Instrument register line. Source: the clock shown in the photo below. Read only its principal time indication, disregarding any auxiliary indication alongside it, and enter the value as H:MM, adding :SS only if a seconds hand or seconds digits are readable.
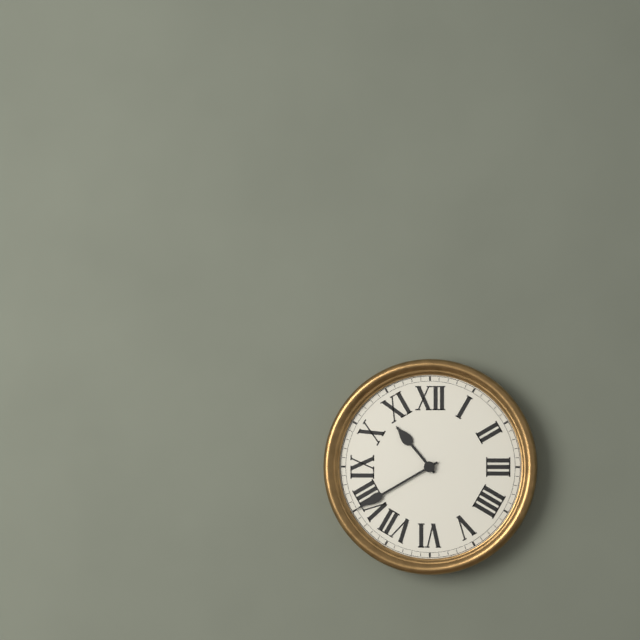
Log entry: 10:40
